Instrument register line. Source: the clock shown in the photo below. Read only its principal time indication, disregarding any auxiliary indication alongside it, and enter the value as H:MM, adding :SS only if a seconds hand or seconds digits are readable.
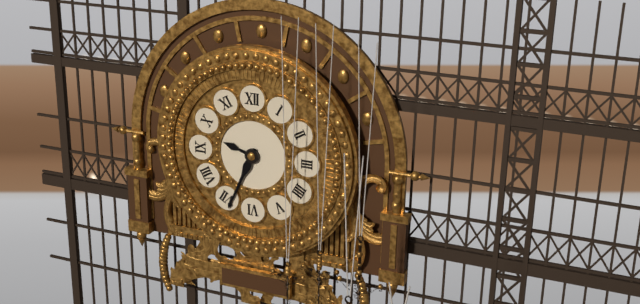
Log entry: 9:34
